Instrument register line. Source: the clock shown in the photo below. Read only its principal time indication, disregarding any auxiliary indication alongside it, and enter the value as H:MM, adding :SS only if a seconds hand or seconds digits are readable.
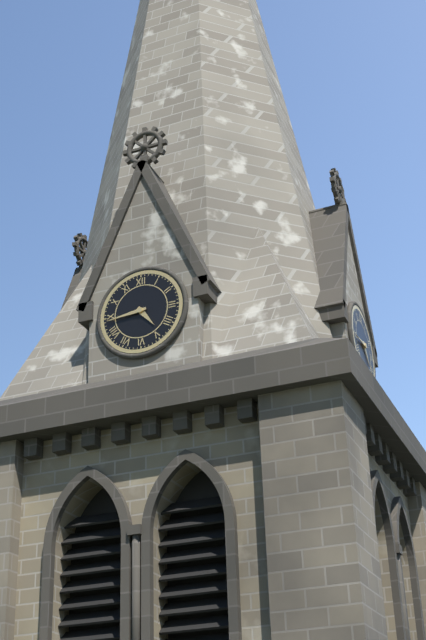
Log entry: 4:44
